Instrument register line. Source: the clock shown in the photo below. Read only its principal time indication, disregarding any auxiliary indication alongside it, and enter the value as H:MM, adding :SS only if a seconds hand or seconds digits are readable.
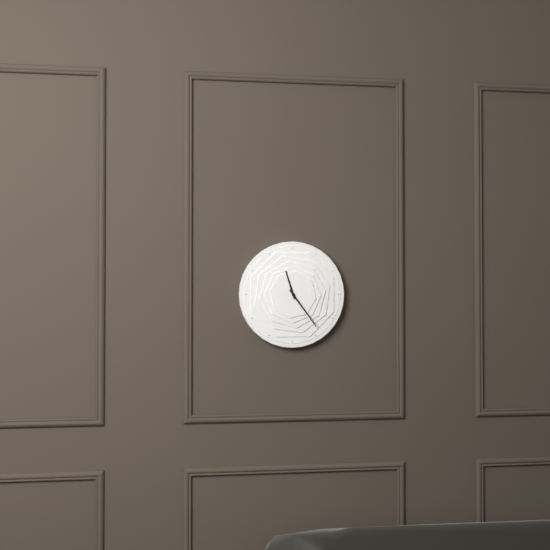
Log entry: 11:24
